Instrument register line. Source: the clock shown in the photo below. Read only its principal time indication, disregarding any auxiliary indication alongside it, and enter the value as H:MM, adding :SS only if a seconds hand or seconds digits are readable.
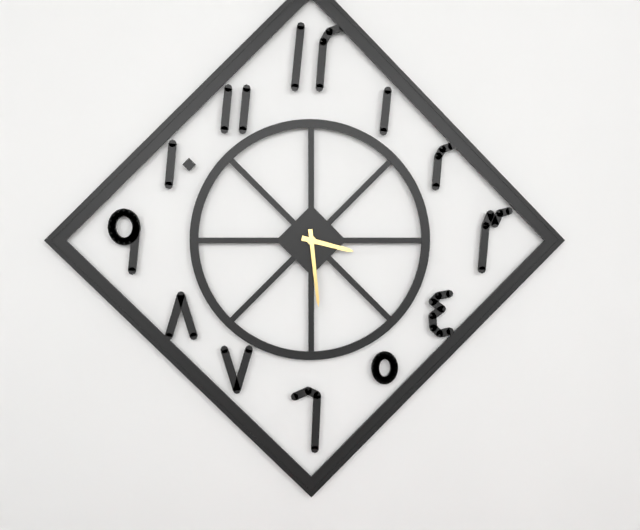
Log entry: 3:29
